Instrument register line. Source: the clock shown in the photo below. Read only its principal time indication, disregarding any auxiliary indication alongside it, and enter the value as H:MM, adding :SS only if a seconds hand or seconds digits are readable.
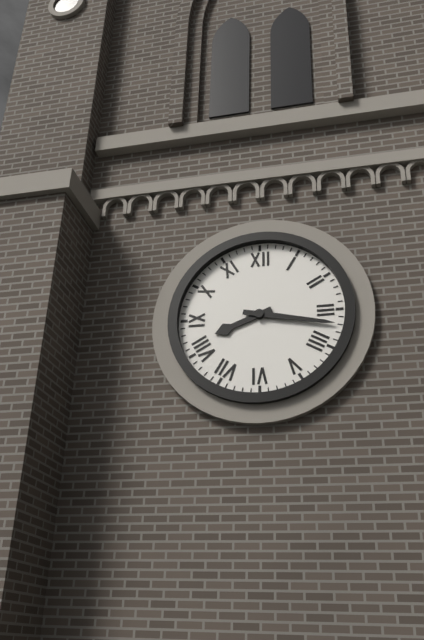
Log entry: 8:17
